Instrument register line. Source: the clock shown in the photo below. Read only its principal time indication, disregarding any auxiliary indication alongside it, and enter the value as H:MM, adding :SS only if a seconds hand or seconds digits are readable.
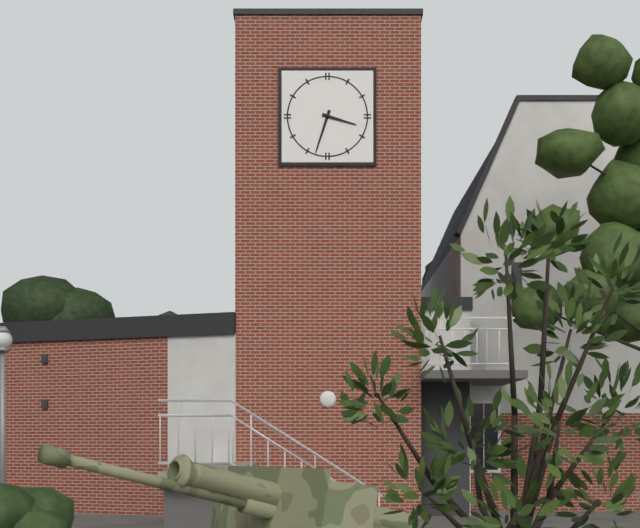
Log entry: 3:33
